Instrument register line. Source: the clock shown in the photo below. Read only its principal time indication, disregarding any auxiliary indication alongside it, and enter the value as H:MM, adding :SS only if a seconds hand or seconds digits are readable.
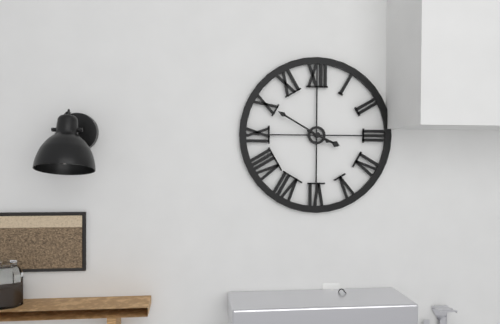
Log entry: 3:50
